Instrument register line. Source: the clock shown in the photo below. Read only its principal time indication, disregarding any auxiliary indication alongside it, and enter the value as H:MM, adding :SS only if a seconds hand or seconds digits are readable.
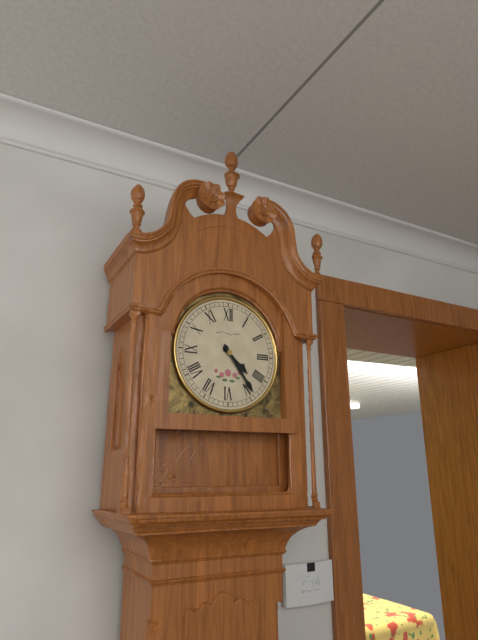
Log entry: 4:24
